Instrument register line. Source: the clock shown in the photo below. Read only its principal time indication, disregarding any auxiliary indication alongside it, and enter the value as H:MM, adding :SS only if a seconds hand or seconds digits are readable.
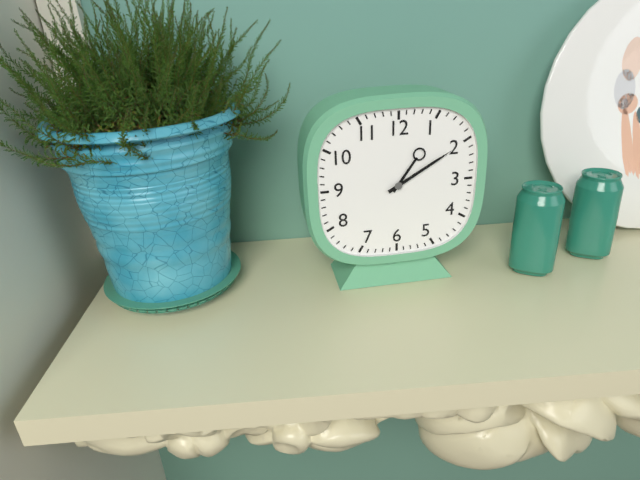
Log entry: 1:10
